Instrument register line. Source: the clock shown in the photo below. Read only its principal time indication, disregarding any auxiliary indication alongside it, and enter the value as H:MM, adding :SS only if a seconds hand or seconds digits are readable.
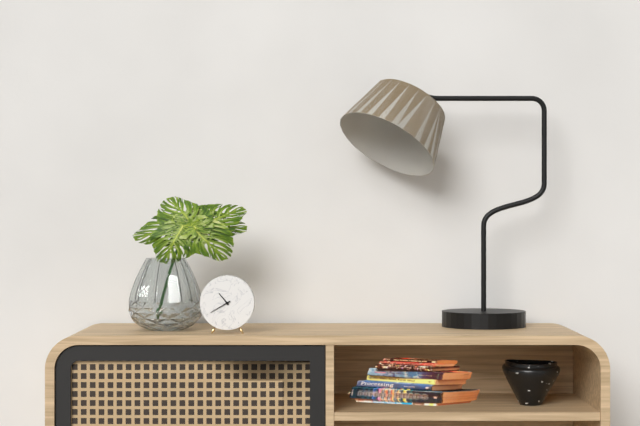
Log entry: 10:40
